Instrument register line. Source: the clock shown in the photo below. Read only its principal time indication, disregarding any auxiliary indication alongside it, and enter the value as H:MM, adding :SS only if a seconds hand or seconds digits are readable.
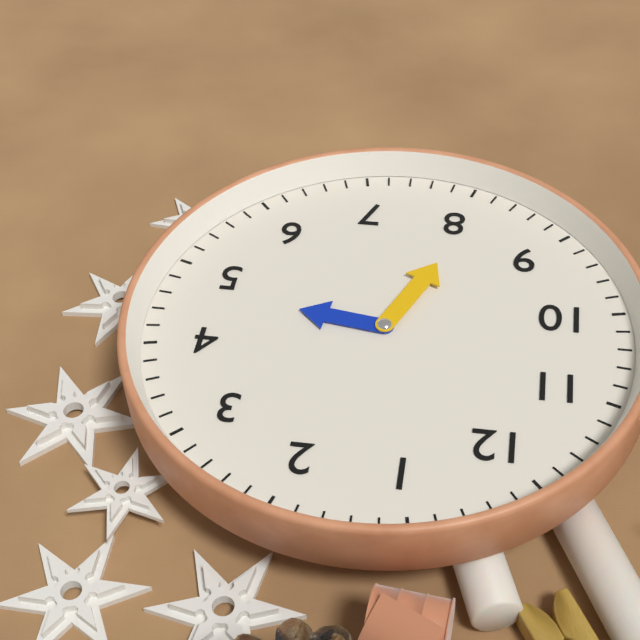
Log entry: 4:41
